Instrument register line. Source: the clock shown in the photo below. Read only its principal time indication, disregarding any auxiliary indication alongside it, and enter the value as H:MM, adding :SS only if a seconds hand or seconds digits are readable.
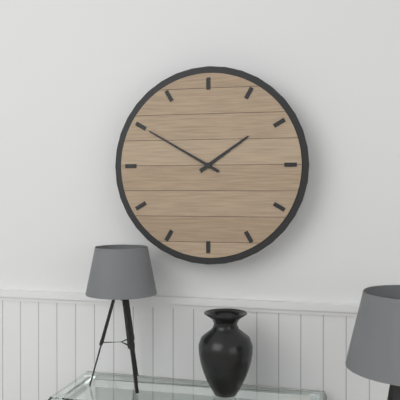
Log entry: 1:50
